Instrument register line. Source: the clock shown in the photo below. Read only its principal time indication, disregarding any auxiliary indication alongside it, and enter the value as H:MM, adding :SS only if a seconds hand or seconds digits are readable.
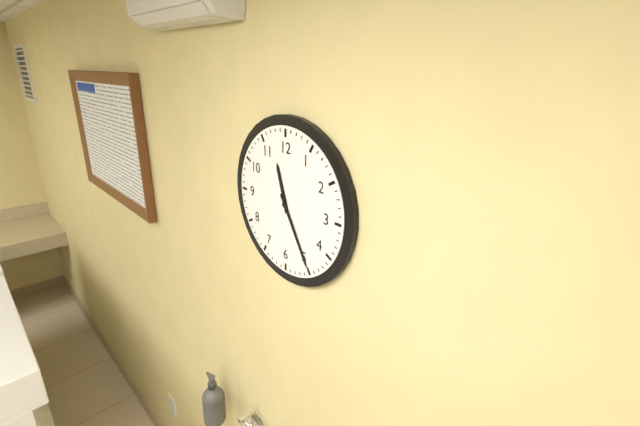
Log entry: 11:25
